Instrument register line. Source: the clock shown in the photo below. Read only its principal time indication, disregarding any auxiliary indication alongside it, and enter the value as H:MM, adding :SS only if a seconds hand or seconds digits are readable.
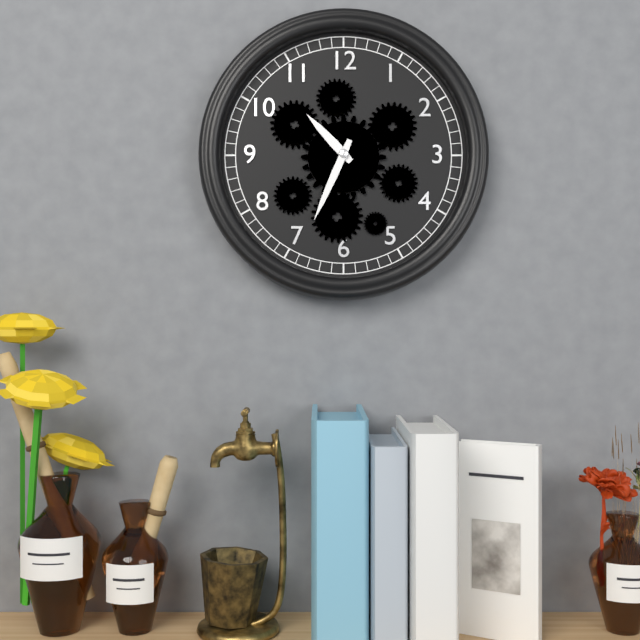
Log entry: 10:34
